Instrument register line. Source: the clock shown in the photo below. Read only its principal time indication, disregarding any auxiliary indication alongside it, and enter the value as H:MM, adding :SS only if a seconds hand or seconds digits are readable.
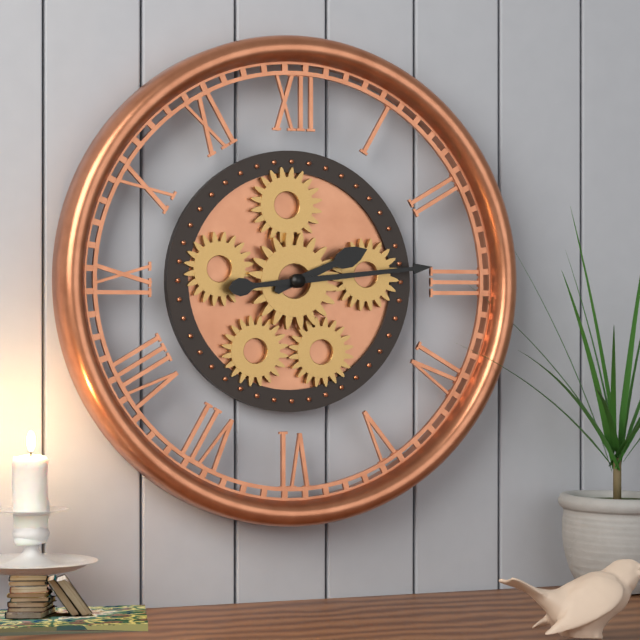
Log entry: 2:14
